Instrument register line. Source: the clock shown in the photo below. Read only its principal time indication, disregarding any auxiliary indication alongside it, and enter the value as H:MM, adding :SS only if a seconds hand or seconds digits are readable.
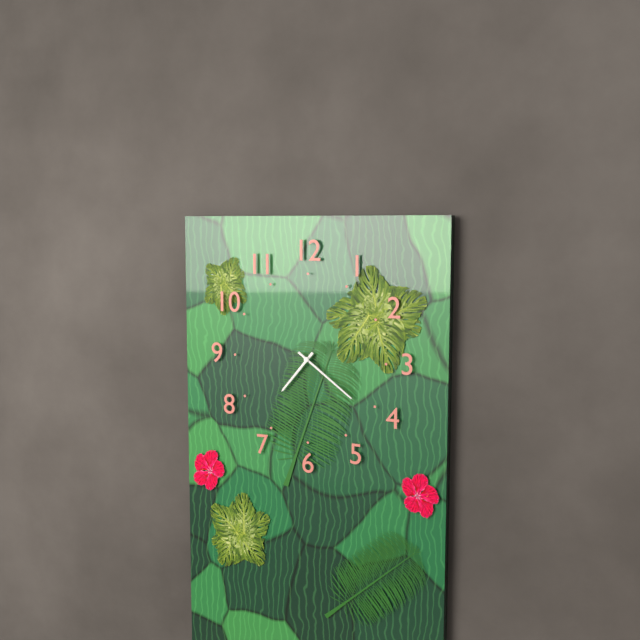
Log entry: 7:21
